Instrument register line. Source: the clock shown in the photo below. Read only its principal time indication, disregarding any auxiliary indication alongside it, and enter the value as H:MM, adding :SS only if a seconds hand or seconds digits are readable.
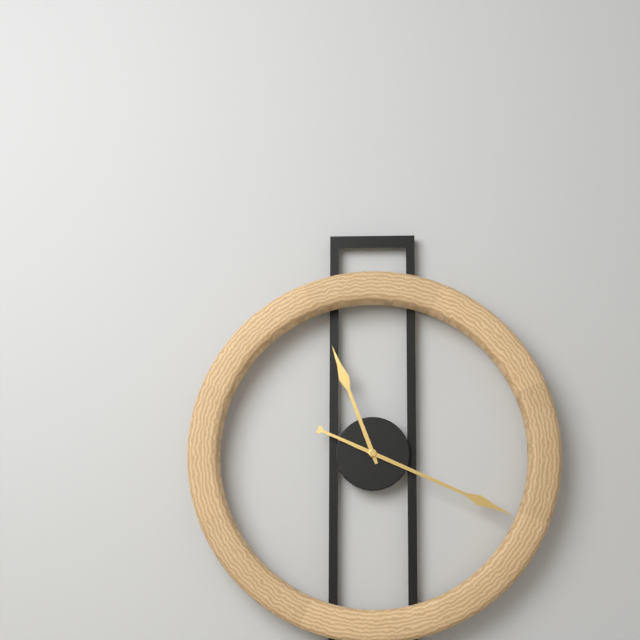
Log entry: 11:19
